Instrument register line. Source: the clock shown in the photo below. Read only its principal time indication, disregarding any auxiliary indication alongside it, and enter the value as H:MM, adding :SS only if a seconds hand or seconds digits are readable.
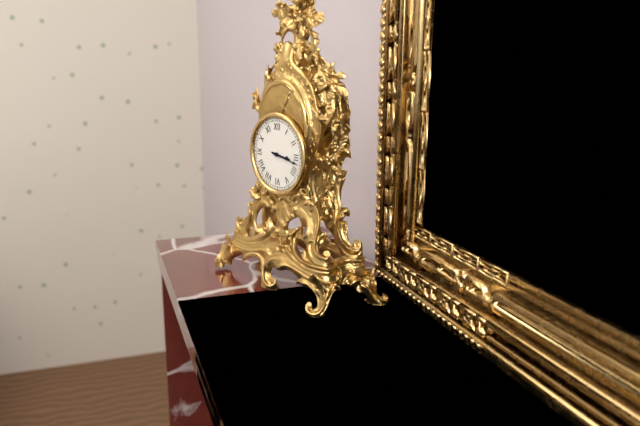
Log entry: 3:17
